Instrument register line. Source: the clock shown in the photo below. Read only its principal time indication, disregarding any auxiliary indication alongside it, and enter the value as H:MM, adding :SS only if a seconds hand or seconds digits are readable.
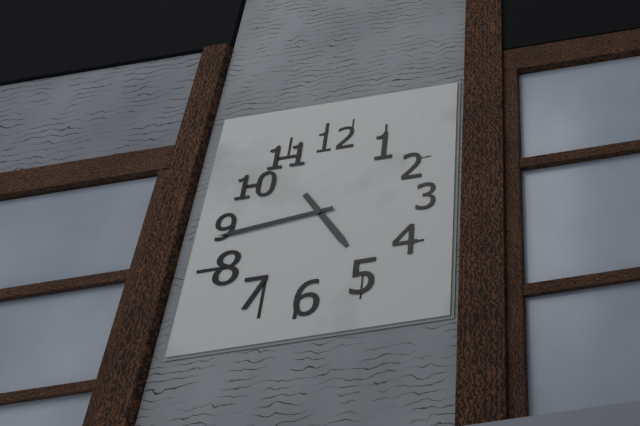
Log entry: 4:44
